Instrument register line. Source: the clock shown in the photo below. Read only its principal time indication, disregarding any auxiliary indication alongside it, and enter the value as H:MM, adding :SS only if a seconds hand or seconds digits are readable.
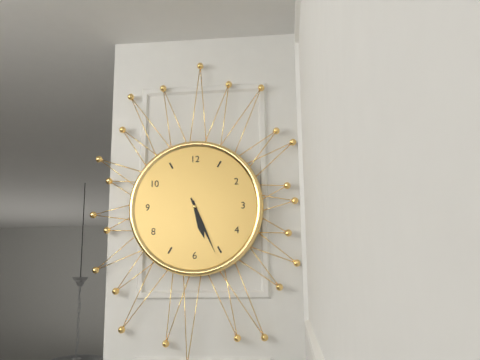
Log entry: 5:26
